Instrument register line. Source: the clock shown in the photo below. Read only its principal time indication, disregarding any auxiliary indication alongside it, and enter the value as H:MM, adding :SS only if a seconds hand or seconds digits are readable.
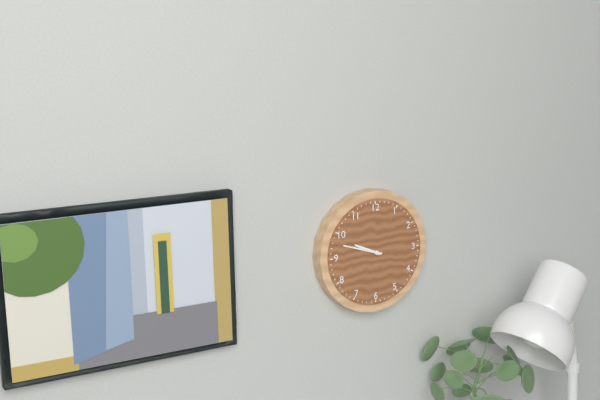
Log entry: 9:48
